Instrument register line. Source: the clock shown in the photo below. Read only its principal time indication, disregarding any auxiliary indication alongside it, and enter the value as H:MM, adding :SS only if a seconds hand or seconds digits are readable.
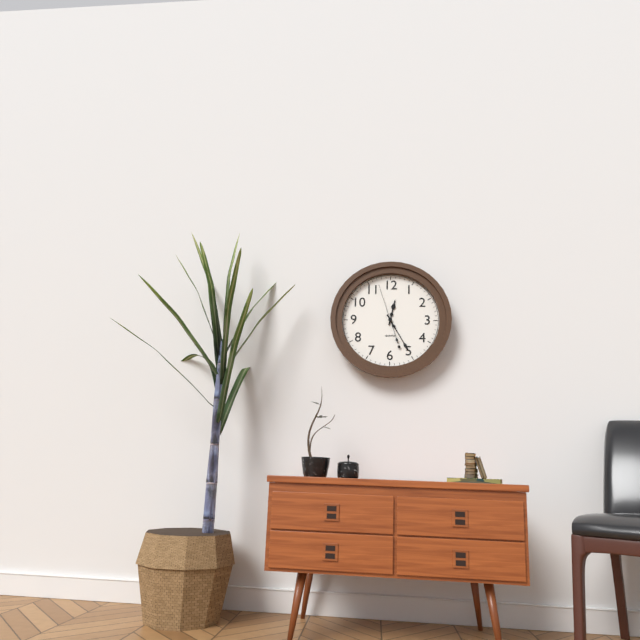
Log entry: 12:25
